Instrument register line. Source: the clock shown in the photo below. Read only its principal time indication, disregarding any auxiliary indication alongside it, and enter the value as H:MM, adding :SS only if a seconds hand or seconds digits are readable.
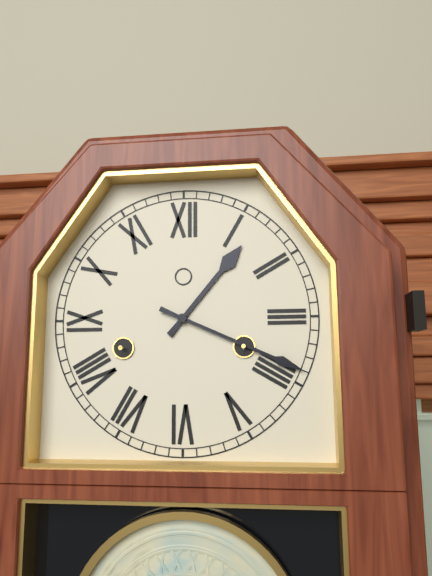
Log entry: 1:19
